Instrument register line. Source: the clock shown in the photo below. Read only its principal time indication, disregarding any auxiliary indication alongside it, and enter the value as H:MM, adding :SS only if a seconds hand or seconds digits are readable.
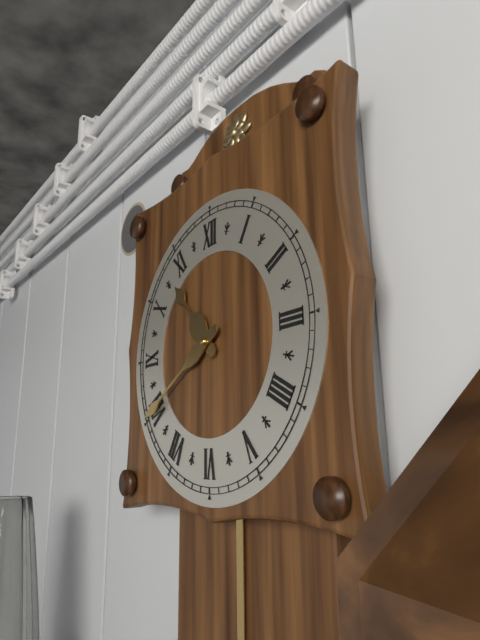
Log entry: 10:40
